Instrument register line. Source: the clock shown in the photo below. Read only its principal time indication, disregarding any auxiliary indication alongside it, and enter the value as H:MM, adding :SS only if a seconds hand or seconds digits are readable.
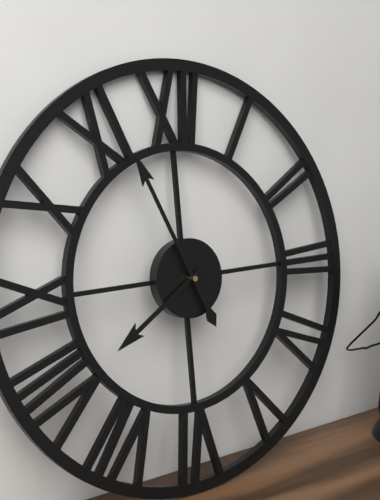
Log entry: 7:56
